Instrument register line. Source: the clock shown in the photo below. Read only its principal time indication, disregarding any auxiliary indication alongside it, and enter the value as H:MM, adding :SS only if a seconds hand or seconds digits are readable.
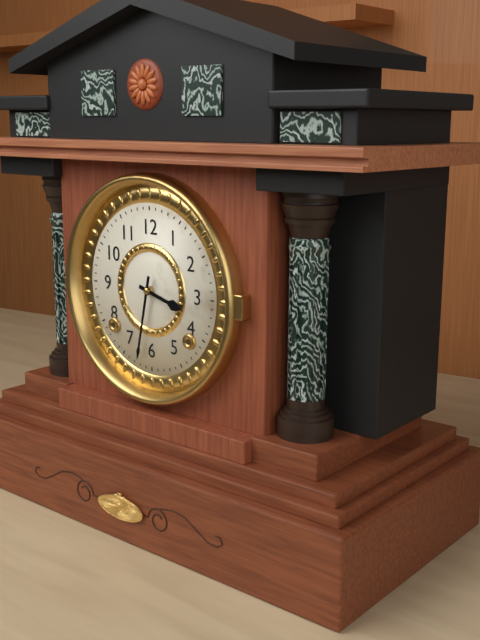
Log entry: 3:32
